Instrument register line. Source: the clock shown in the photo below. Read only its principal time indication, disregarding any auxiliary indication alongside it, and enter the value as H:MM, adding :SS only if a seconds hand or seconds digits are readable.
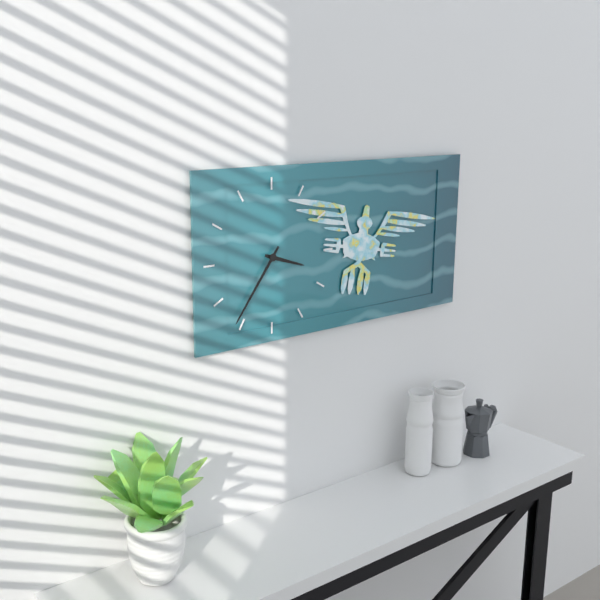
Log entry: 3:36
